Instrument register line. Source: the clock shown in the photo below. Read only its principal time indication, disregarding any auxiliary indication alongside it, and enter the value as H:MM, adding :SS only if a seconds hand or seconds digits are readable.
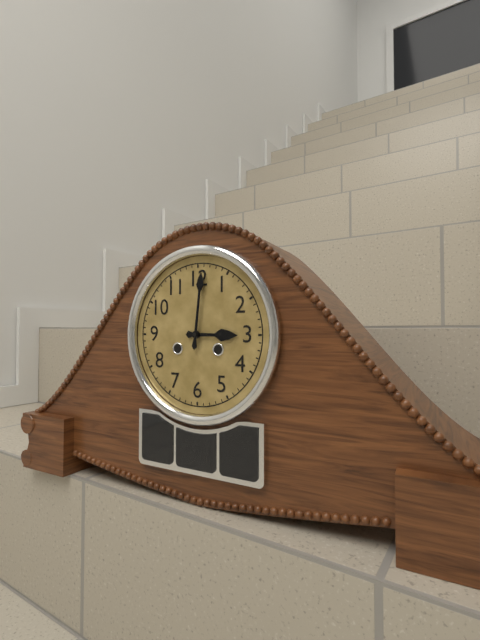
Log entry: 3:01
